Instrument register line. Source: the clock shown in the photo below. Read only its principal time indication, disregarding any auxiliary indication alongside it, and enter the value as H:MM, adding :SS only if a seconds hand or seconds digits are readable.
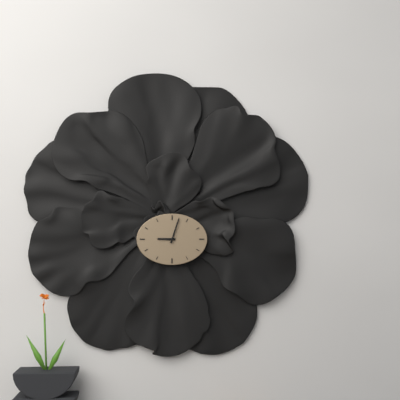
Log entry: 9:03
